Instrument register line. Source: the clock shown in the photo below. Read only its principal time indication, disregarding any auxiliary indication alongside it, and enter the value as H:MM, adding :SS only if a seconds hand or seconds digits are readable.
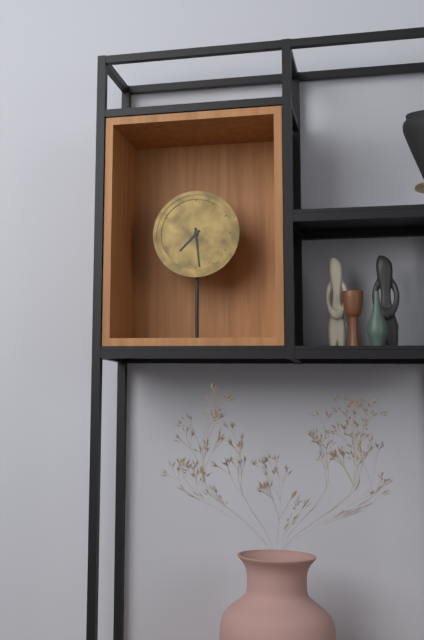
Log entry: 7:29
